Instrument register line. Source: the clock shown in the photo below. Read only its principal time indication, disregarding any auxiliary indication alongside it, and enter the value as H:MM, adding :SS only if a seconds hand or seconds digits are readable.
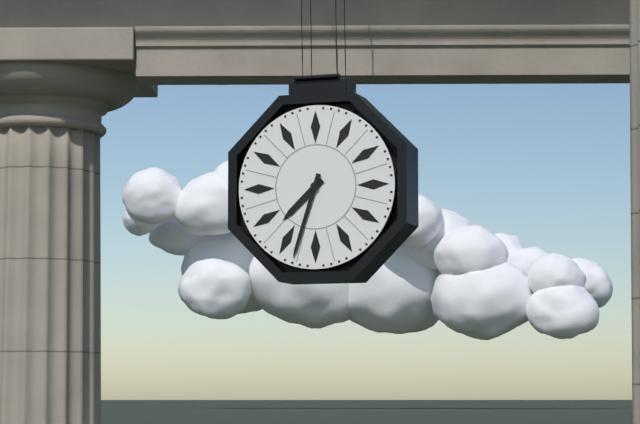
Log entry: 7:33
